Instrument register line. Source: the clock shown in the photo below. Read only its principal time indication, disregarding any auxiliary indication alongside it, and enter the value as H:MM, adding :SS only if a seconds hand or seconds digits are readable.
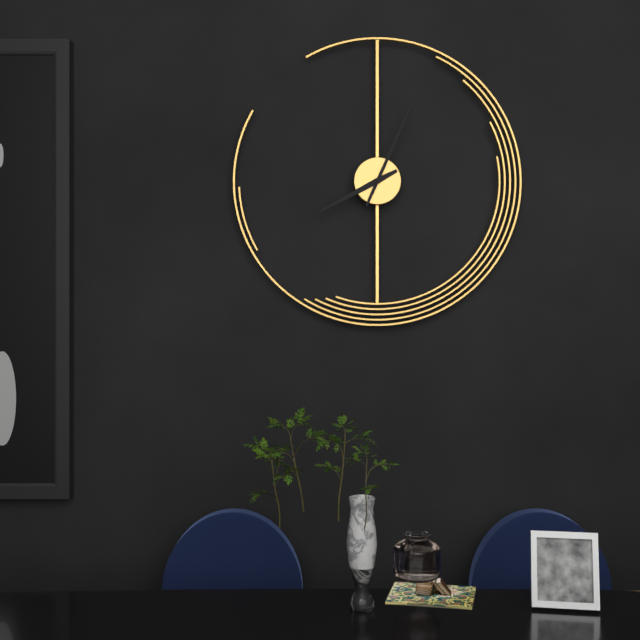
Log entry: 8:04
